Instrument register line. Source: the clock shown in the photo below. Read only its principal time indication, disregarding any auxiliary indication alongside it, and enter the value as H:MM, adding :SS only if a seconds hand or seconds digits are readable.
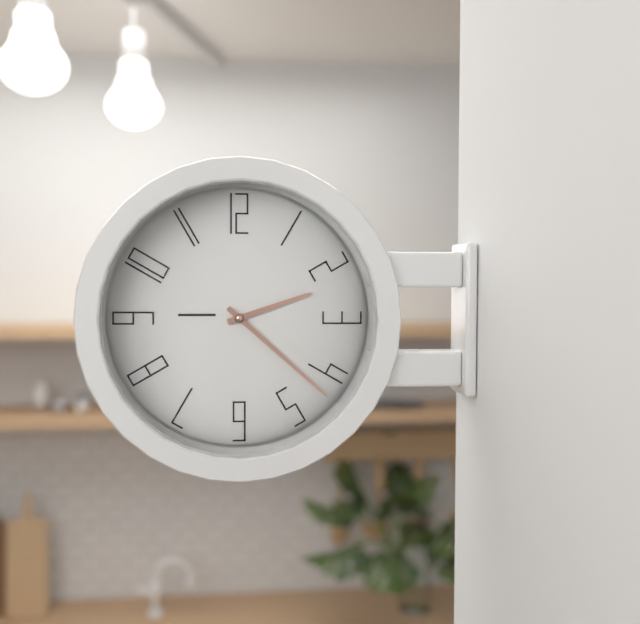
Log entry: 2:22
